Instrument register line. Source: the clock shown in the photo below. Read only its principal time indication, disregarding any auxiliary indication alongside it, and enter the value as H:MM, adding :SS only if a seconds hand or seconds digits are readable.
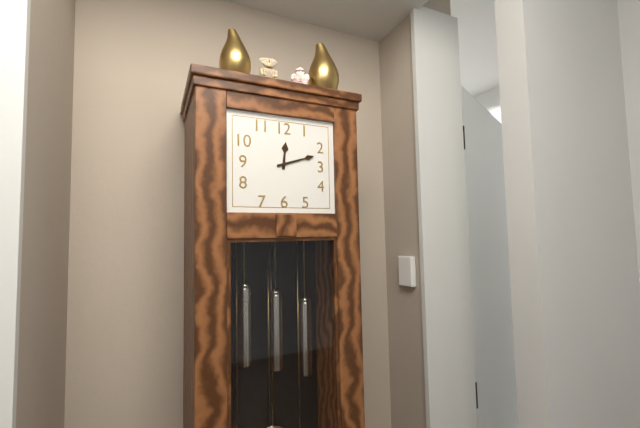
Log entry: 12:12
